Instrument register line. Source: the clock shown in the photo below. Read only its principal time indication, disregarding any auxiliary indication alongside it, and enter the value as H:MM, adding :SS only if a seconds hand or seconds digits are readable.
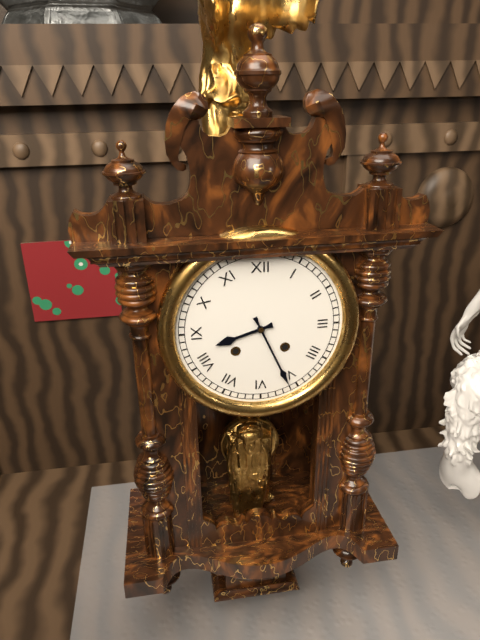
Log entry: 8:26
